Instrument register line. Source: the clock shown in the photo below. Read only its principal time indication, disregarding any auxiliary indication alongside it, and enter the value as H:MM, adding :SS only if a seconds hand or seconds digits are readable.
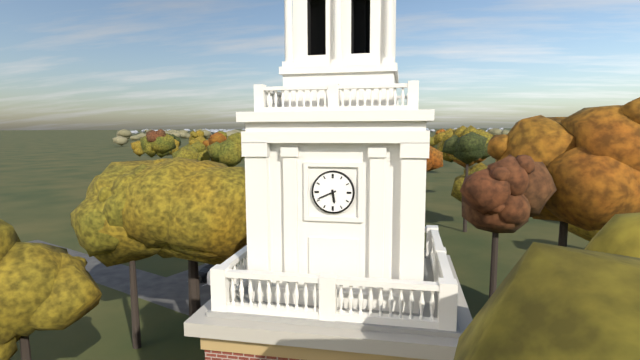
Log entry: 5:41
